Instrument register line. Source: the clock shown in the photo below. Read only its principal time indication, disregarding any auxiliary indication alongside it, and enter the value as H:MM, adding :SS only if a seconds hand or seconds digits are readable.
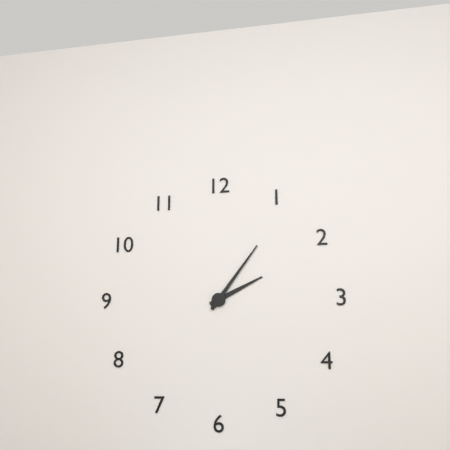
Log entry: 2:06
